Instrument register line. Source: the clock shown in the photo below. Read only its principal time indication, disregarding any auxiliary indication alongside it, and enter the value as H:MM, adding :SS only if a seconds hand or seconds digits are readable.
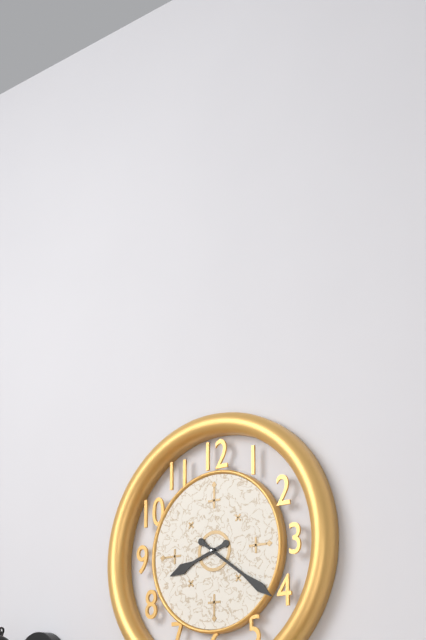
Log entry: 8:21
